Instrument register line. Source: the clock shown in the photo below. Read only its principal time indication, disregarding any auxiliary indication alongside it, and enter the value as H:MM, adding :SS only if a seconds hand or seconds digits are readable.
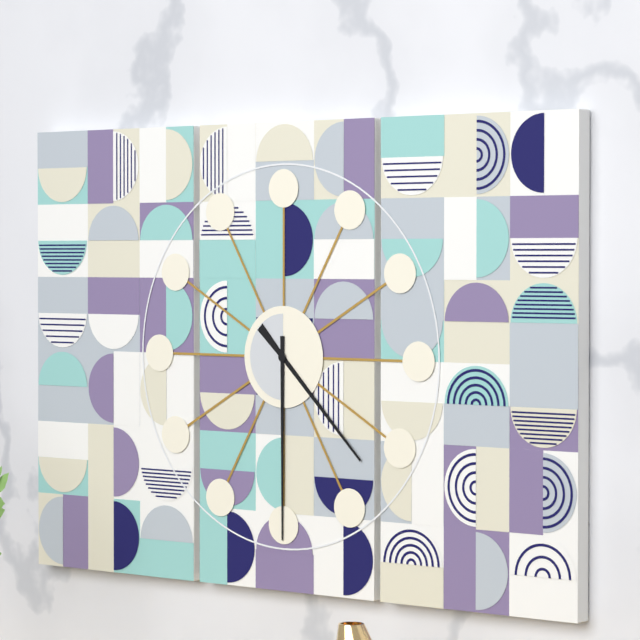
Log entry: 4:30
